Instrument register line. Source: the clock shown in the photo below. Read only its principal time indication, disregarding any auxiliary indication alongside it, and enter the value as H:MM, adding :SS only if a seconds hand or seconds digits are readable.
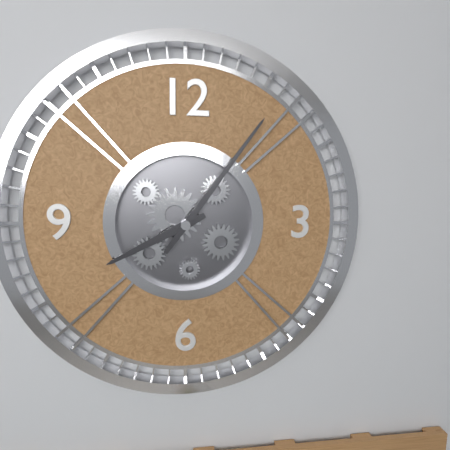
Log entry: 8:06
